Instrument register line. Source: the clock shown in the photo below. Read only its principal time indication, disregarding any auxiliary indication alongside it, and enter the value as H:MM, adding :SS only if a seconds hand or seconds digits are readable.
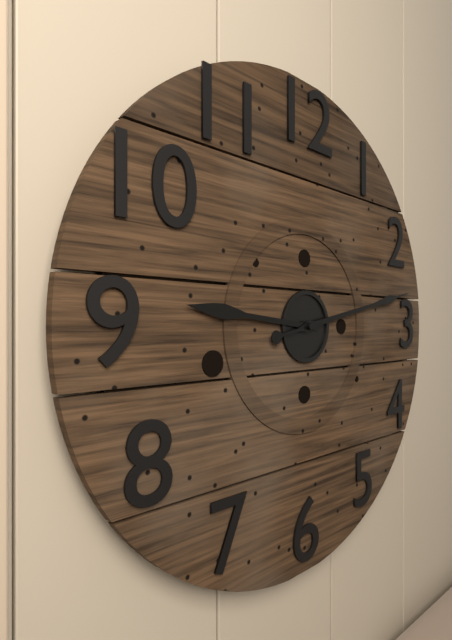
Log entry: 9:13
